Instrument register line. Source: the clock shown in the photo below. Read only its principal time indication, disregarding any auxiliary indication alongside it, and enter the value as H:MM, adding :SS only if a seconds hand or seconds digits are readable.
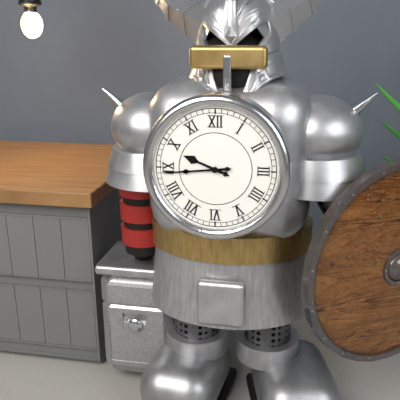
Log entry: 9:44
